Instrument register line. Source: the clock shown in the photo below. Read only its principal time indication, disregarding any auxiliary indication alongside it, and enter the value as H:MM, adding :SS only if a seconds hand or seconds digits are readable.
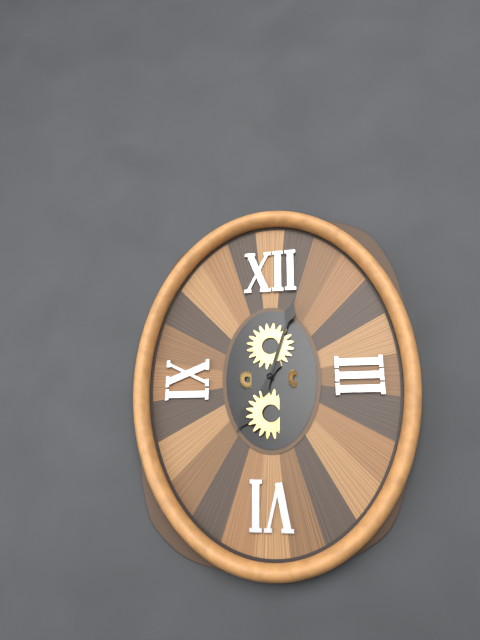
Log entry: 7:03
